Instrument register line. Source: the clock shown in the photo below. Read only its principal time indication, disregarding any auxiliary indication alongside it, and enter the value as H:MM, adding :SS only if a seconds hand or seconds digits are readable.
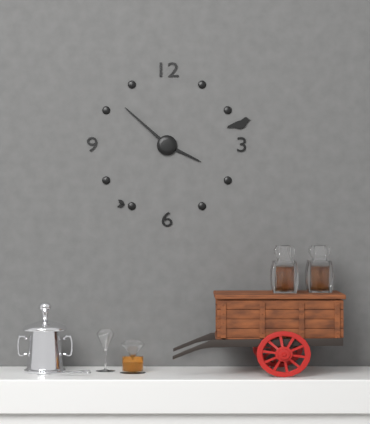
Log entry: 3:52
